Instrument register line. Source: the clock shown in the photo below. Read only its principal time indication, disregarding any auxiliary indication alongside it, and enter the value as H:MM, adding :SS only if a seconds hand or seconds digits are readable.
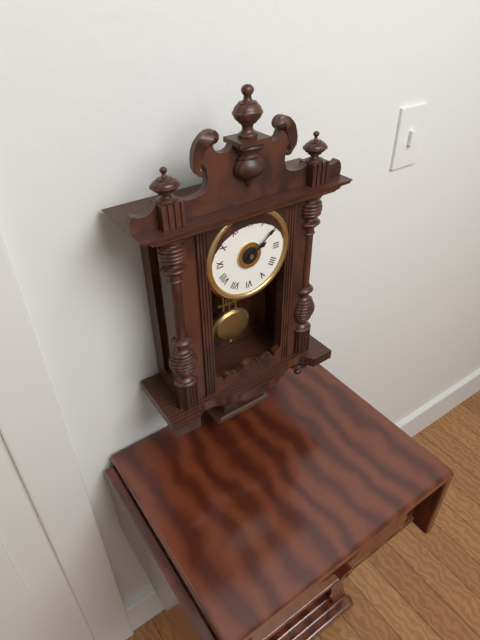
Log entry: 2:09
